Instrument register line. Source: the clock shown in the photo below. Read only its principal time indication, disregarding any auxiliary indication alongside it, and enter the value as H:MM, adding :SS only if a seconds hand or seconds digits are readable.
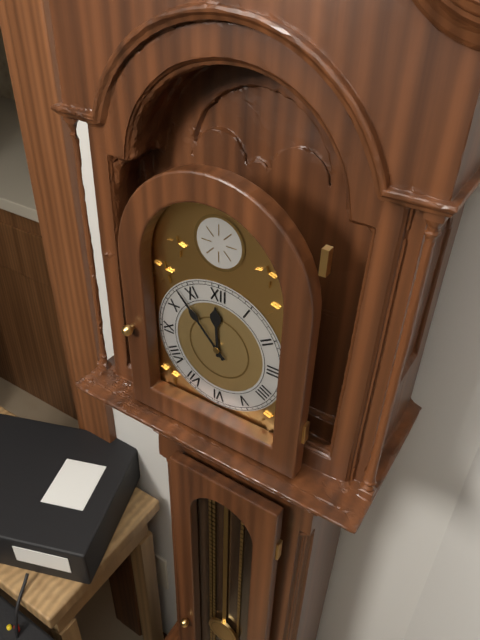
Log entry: 11:53
